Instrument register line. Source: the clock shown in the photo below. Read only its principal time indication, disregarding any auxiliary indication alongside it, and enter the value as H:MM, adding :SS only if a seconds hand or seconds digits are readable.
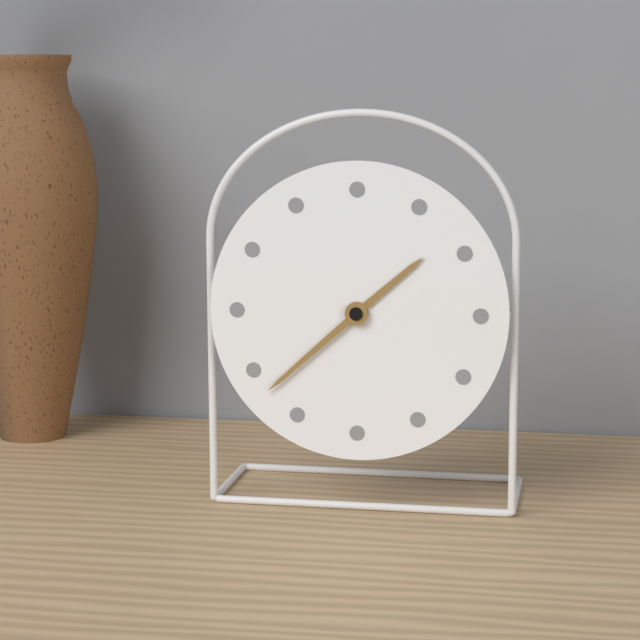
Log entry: 1:38
